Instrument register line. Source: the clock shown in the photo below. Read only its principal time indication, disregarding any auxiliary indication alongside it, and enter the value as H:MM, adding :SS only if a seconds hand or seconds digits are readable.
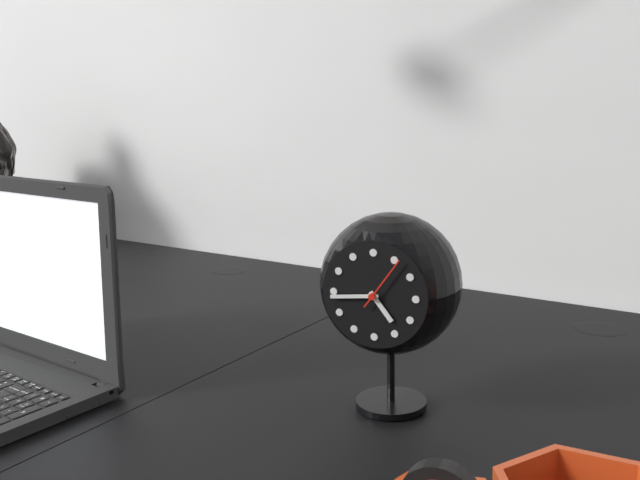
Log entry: 4:44
